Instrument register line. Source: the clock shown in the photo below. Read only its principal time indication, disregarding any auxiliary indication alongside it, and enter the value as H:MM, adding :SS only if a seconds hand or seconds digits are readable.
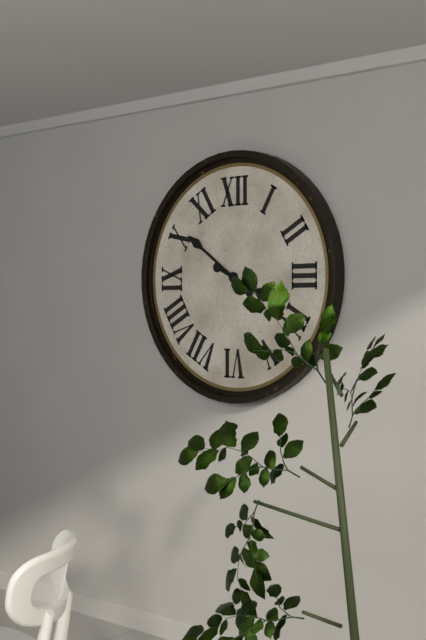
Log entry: 3:51
